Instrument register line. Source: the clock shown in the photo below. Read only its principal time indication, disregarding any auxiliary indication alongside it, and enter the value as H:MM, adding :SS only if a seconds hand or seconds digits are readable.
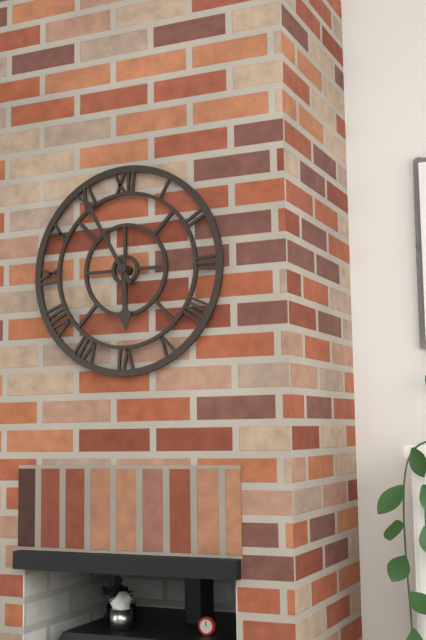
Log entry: 5:55
